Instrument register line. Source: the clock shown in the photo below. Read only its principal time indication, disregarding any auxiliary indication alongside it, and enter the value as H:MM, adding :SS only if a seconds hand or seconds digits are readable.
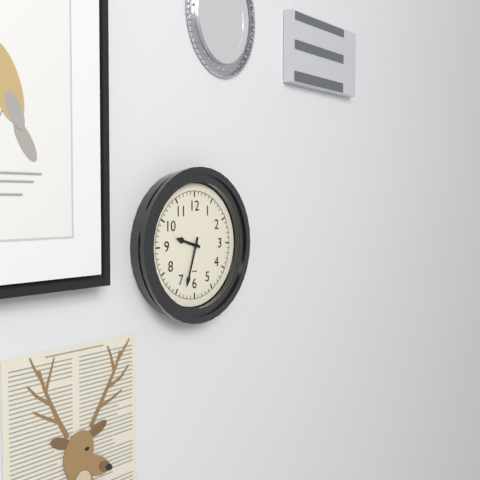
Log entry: 9:33
